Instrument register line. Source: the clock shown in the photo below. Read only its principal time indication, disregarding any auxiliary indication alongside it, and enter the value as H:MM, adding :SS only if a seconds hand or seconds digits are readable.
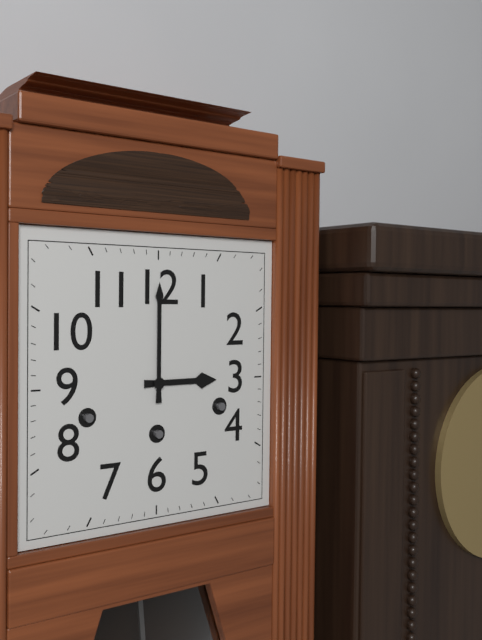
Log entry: 3:00
